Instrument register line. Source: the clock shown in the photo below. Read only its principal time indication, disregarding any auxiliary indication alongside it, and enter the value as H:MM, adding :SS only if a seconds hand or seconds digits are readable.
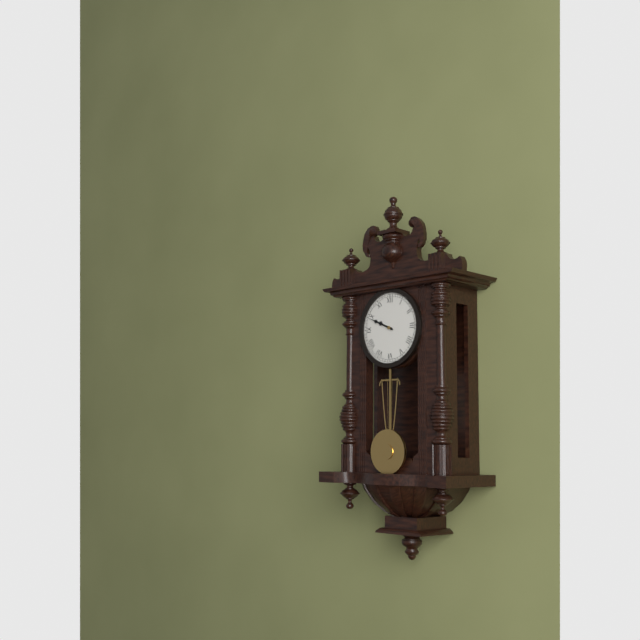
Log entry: 9:49
